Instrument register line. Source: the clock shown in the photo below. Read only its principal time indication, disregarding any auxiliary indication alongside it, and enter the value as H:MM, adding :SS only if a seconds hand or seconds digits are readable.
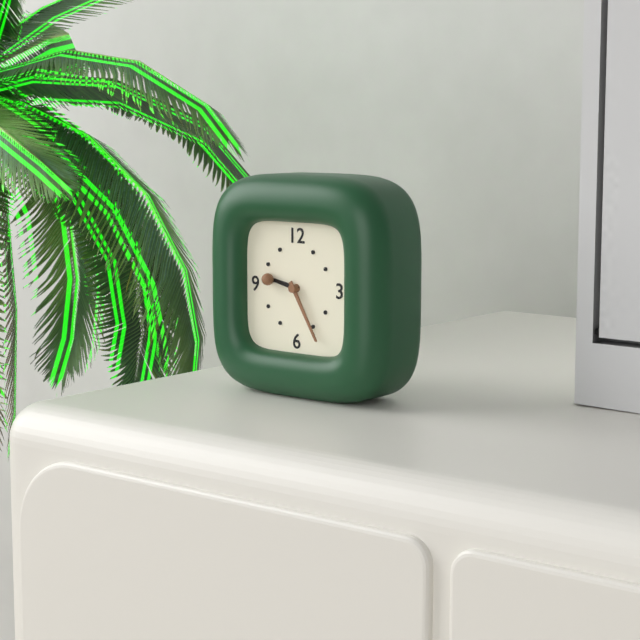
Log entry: 9:25
